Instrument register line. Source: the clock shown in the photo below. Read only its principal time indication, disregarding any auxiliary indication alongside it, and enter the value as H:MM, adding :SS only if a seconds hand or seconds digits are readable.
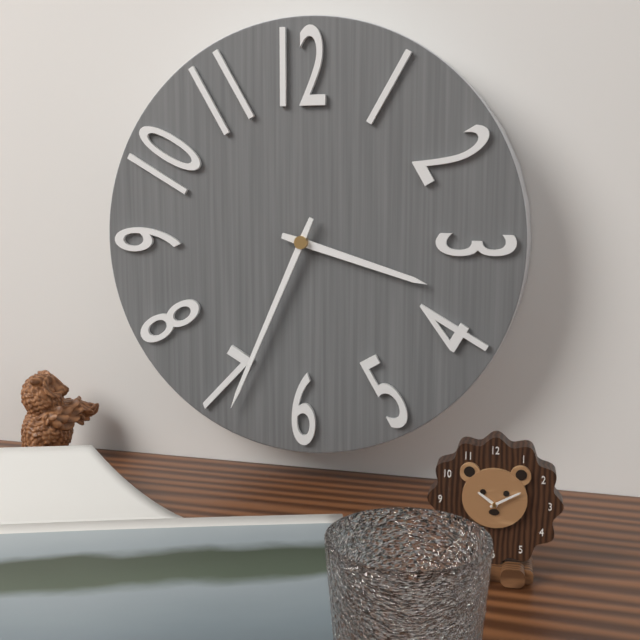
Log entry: 3:34
